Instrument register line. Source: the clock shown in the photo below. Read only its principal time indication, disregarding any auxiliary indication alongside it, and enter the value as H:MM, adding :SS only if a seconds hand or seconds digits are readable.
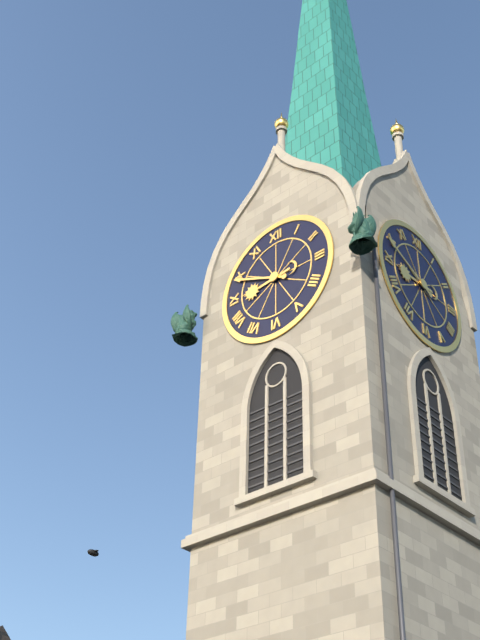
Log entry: 8:49
